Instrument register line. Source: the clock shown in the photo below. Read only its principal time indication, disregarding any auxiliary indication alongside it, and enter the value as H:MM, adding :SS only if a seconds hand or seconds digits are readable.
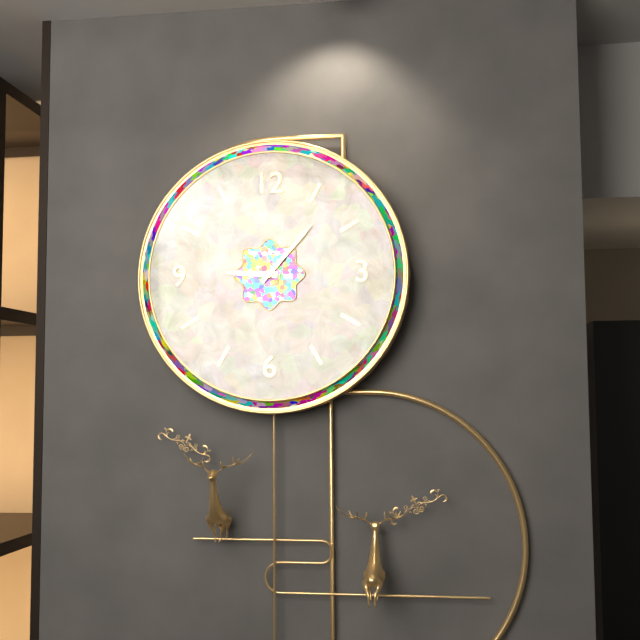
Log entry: 9:07
